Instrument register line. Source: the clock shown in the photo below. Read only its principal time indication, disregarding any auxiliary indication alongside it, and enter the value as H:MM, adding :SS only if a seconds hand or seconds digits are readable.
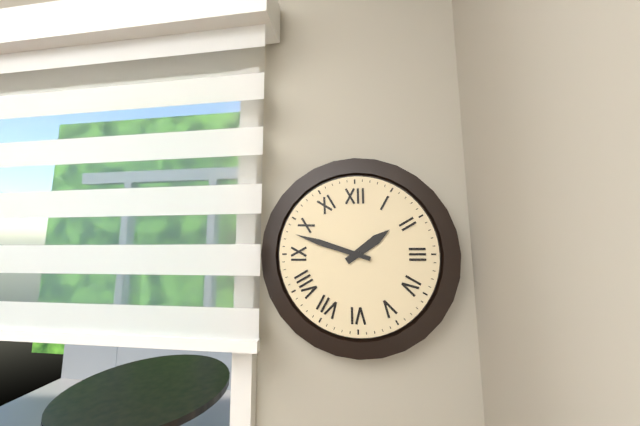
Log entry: 1:48
